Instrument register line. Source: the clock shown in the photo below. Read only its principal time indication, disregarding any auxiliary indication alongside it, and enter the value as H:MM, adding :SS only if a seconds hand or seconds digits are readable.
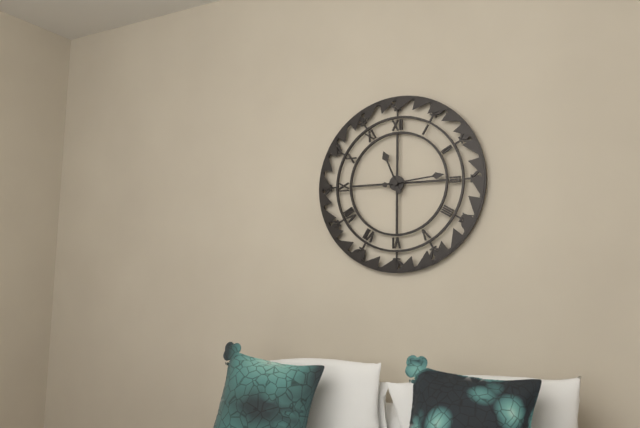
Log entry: 11:14
